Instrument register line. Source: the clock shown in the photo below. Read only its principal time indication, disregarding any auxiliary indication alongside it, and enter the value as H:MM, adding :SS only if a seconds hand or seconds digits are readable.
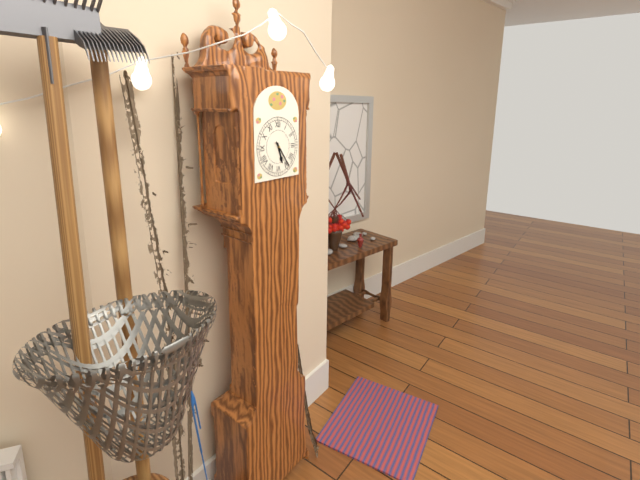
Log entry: 5:24
